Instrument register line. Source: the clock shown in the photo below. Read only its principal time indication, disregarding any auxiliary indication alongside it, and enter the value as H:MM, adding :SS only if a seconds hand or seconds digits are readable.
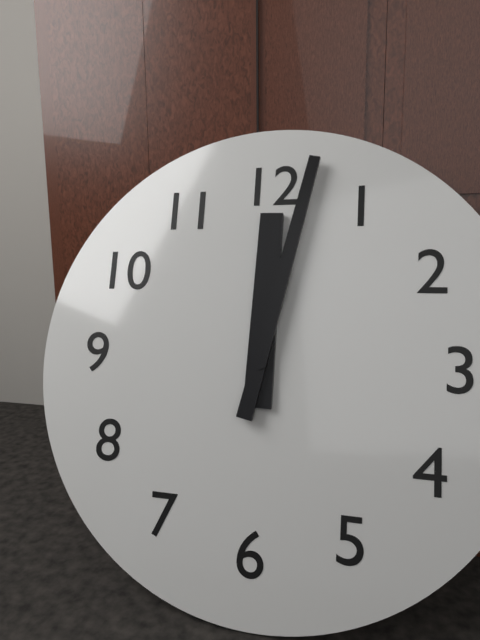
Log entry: 12:02
